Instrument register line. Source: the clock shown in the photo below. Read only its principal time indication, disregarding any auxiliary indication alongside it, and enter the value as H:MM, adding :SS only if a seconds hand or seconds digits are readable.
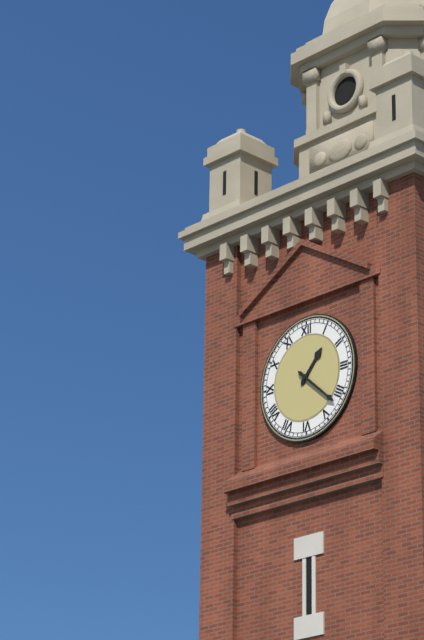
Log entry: 1:22
